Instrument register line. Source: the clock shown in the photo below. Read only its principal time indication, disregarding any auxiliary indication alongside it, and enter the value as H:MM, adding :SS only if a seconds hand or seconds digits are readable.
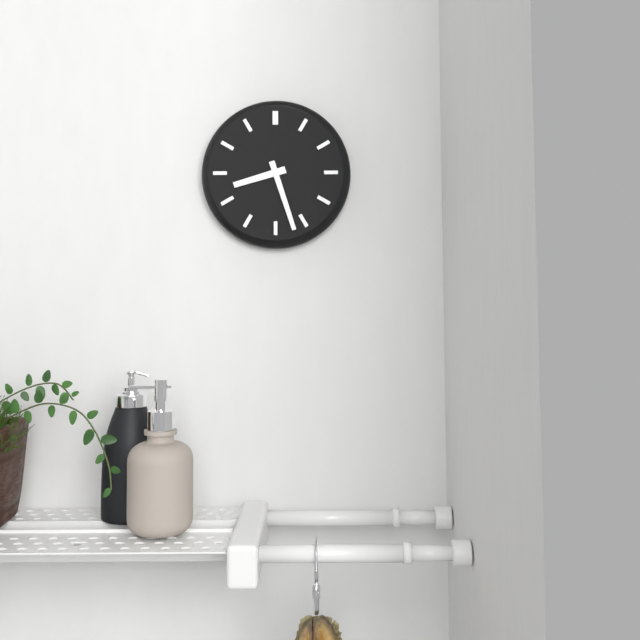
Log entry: 8:27
